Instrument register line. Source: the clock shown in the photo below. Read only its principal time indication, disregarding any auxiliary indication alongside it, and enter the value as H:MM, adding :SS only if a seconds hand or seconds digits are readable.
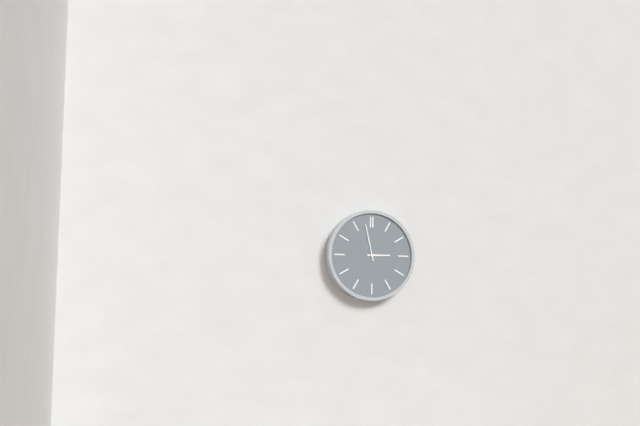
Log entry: 2:58
